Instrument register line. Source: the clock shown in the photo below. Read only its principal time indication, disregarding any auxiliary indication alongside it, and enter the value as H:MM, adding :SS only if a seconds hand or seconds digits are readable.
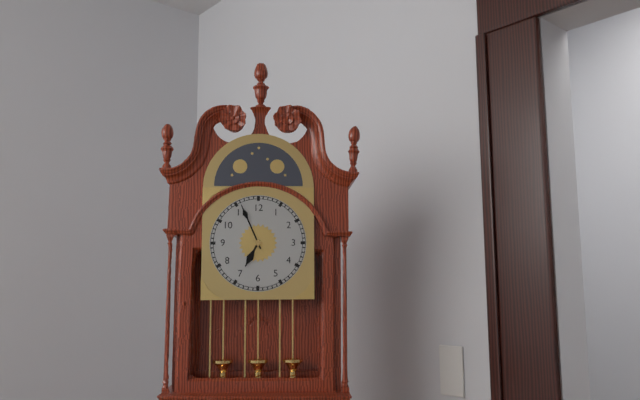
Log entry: 6:56
